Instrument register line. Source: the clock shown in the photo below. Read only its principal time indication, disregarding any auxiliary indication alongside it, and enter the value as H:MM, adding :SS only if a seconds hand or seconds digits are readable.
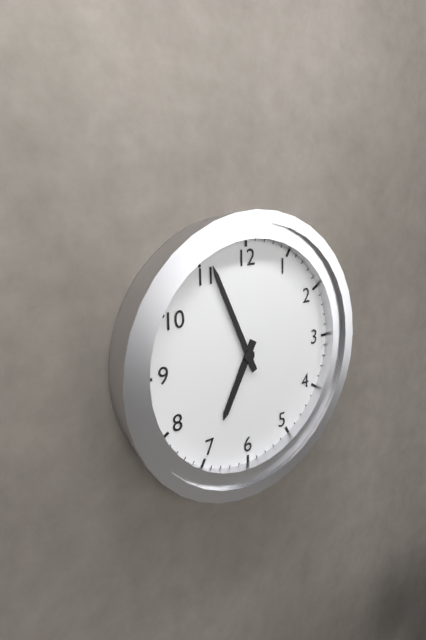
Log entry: 6:56
